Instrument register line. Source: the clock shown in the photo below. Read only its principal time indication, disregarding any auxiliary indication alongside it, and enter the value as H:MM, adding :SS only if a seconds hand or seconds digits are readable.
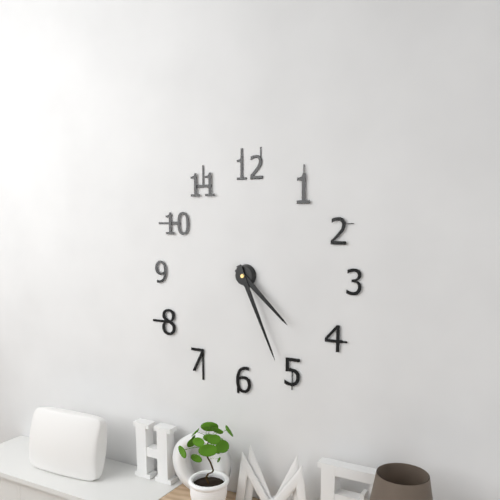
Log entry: 4:26
